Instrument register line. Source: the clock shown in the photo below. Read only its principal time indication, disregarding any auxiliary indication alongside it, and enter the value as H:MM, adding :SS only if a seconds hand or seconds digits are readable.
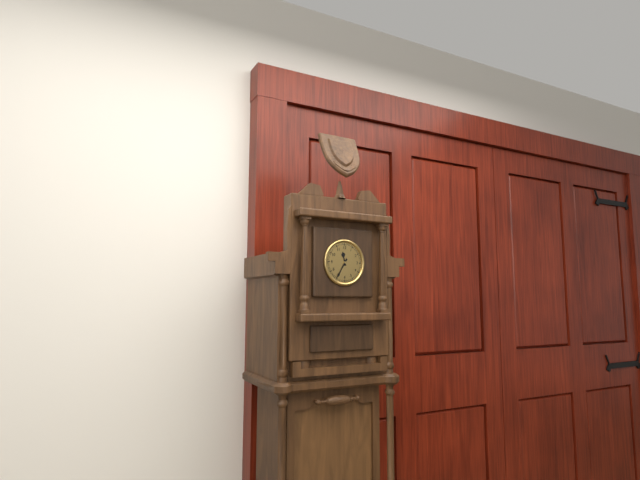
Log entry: 11:35
